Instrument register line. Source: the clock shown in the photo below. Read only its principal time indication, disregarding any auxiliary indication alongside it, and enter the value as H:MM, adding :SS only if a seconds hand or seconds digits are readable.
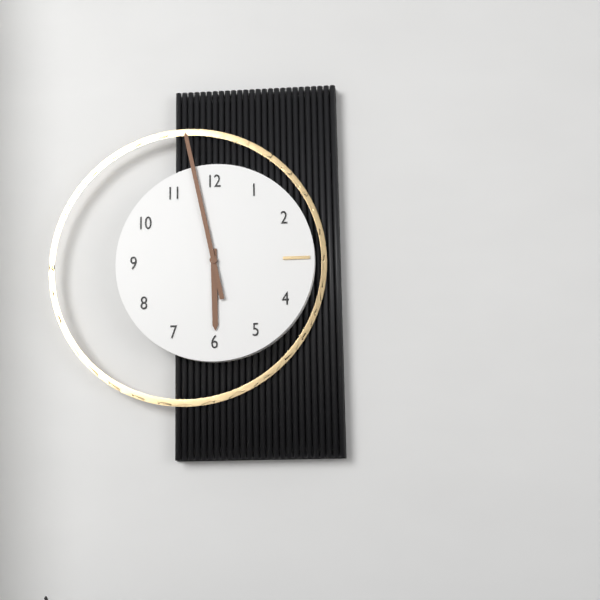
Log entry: 5:58
